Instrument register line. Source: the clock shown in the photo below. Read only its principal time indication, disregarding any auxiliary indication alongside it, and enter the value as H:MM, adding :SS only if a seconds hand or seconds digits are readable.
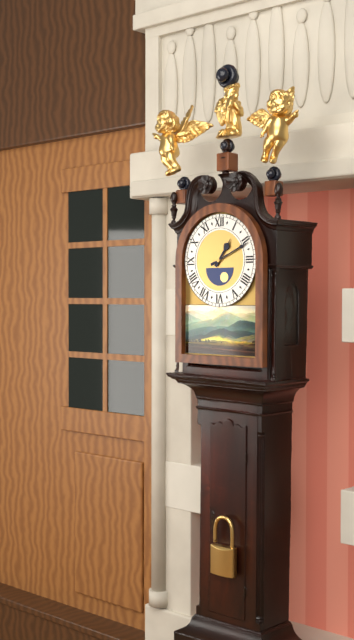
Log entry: 1:11
